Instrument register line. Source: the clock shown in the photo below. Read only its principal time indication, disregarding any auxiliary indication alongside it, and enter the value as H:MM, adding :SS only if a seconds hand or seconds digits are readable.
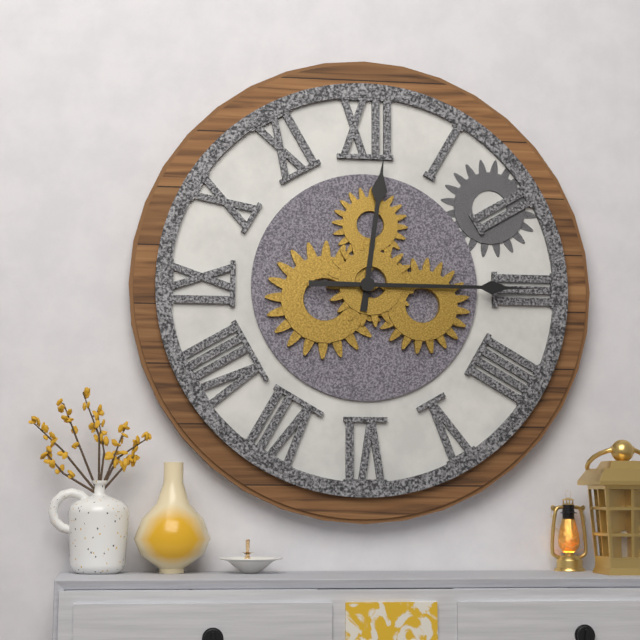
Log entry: 12:15
